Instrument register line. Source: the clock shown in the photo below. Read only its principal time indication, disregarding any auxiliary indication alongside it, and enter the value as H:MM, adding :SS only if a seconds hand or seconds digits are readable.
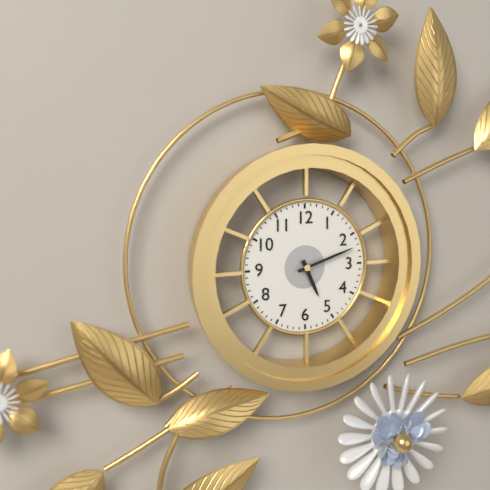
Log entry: 5:12
